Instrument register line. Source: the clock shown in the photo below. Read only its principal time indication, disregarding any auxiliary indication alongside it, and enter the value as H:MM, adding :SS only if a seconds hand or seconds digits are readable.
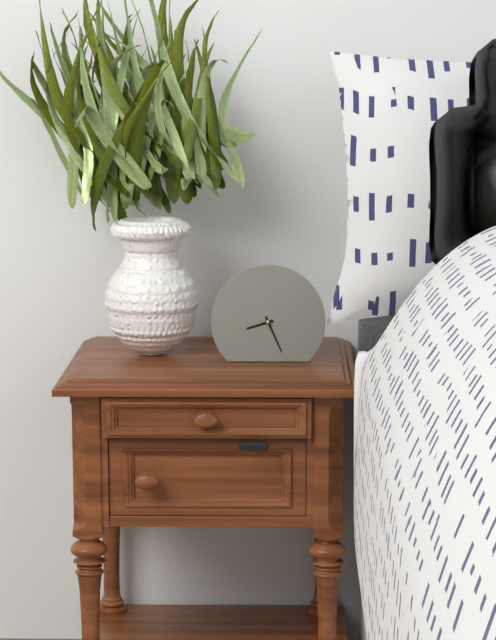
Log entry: 8:26
